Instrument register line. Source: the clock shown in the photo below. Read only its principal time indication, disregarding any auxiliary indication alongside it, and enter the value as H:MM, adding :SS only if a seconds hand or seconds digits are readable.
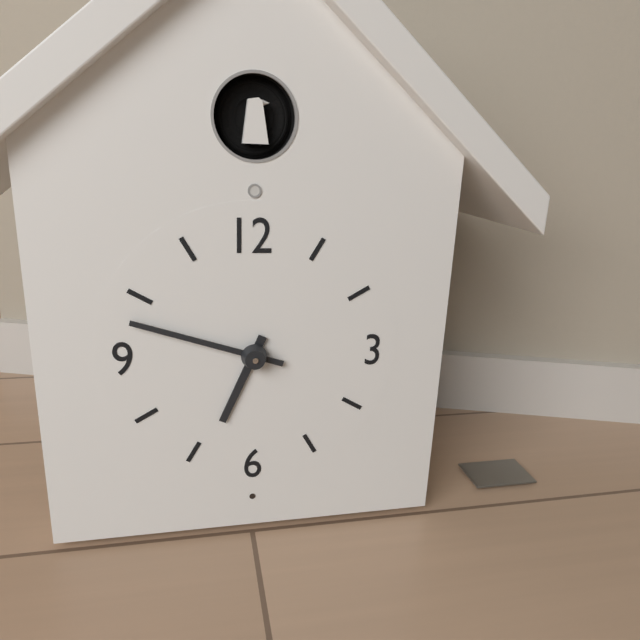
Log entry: 6:48
